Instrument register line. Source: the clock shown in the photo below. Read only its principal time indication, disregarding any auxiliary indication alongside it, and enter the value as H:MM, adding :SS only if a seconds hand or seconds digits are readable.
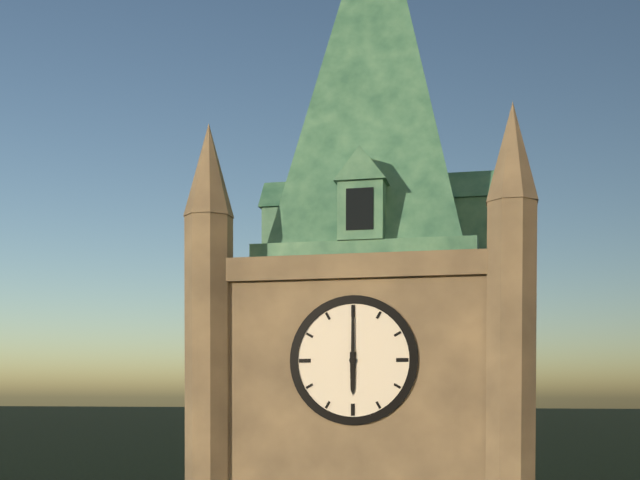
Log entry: 6:00
